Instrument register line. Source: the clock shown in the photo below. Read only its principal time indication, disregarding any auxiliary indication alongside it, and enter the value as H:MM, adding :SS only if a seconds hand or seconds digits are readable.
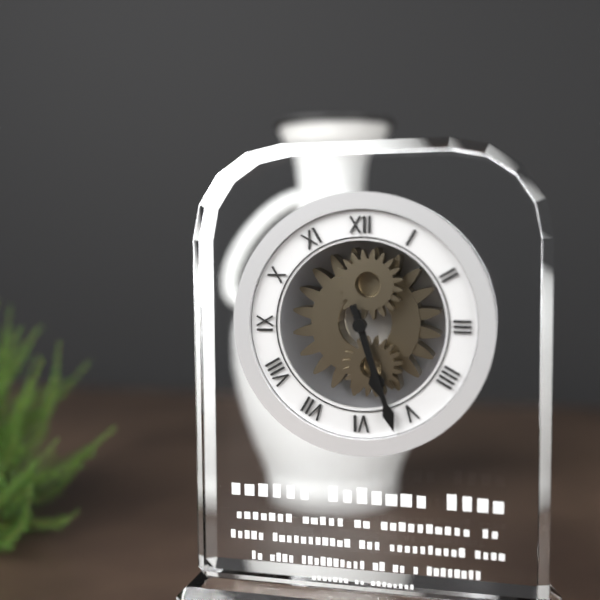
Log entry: 5:27
